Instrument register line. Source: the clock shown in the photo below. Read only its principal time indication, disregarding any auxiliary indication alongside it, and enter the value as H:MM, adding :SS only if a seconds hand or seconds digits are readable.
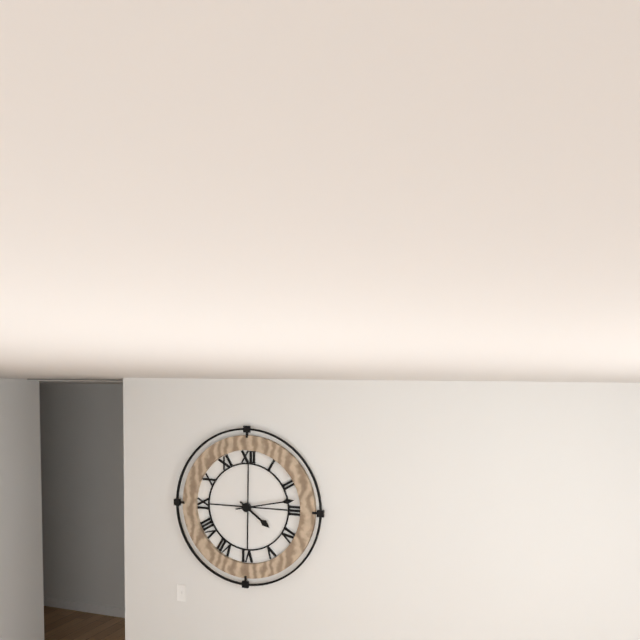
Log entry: 4:13
